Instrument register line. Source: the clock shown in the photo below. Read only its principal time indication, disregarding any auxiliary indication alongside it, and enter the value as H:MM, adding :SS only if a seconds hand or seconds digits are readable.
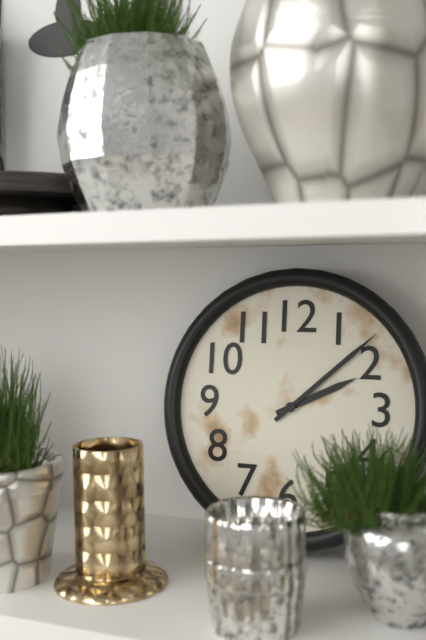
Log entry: 2:08
